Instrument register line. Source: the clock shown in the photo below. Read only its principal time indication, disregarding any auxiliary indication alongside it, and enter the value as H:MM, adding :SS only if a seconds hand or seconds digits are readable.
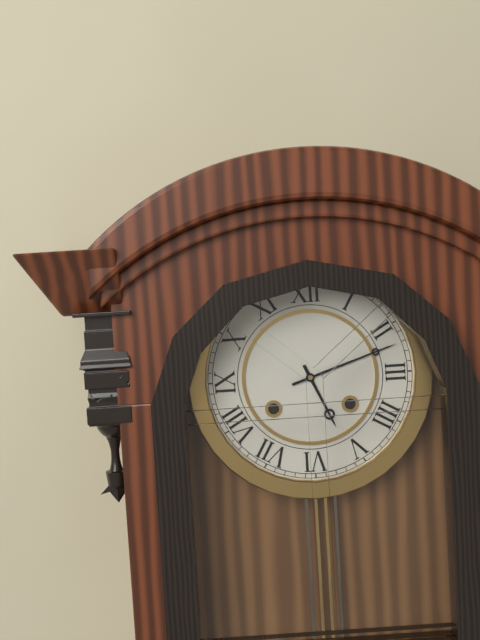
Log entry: 5:12
